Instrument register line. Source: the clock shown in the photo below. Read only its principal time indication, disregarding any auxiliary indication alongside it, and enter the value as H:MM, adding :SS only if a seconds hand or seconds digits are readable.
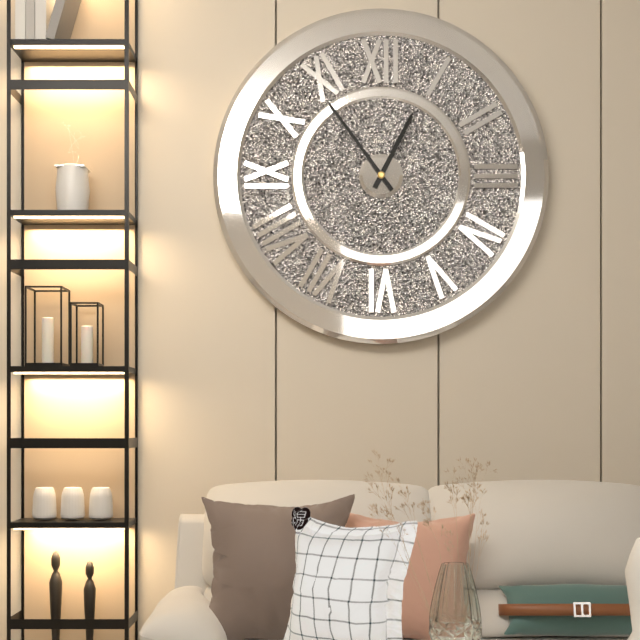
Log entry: 12:54
